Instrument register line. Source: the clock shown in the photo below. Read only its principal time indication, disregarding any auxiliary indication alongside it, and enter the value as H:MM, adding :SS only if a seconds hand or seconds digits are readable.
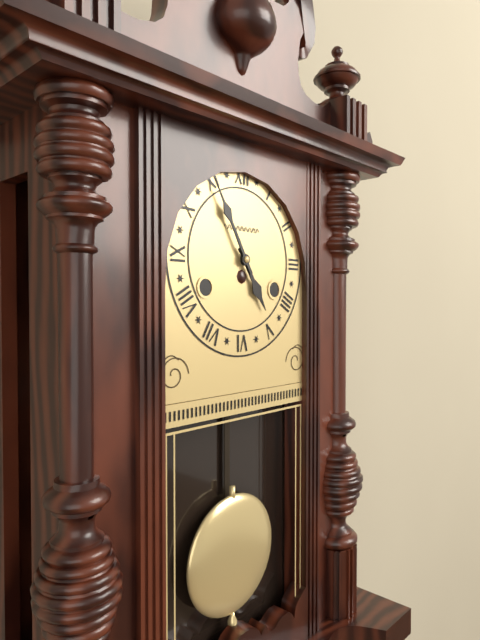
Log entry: 4:55
